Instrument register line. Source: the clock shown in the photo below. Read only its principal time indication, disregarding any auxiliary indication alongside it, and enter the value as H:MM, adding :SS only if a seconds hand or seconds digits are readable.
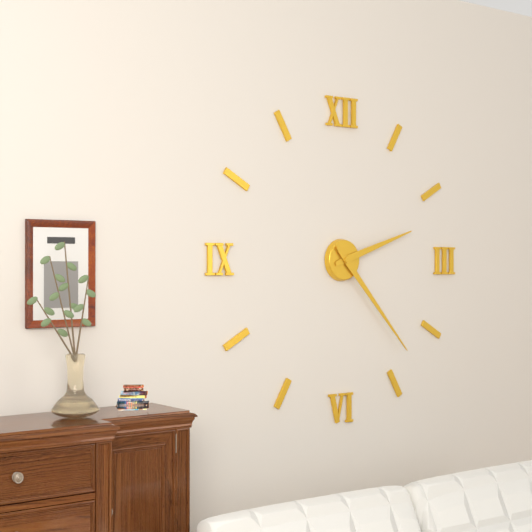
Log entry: 2:23
